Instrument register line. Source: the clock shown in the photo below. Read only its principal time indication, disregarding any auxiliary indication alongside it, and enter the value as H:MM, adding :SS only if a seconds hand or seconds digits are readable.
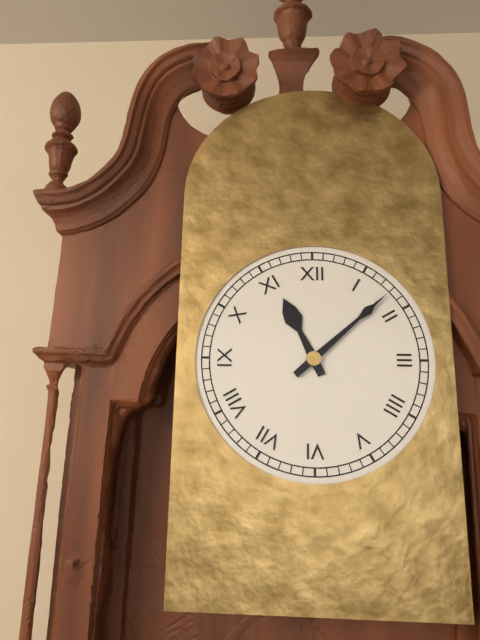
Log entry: 11:08
